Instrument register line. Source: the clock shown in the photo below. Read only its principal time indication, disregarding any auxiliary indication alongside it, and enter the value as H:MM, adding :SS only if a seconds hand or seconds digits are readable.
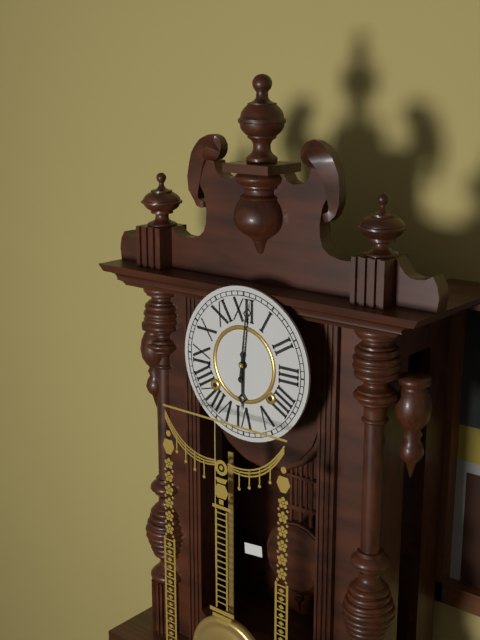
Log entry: 6:01
